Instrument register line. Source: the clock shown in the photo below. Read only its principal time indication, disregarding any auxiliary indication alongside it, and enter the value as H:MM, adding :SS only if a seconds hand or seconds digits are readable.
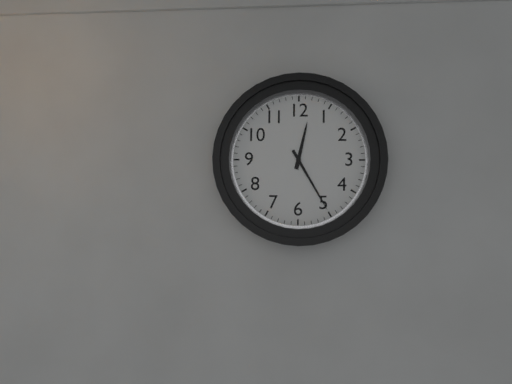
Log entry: 12:25
